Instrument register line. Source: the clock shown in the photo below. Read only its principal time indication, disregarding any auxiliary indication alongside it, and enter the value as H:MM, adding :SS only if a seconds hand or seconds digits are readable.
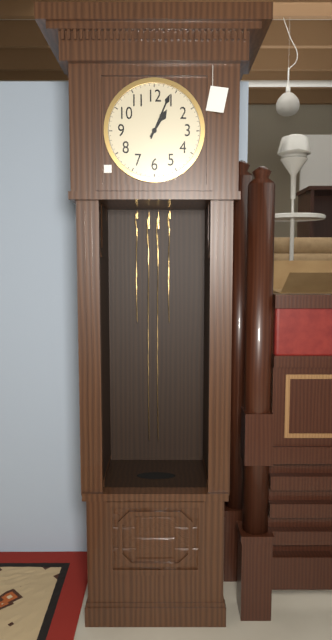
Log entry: 1:04
